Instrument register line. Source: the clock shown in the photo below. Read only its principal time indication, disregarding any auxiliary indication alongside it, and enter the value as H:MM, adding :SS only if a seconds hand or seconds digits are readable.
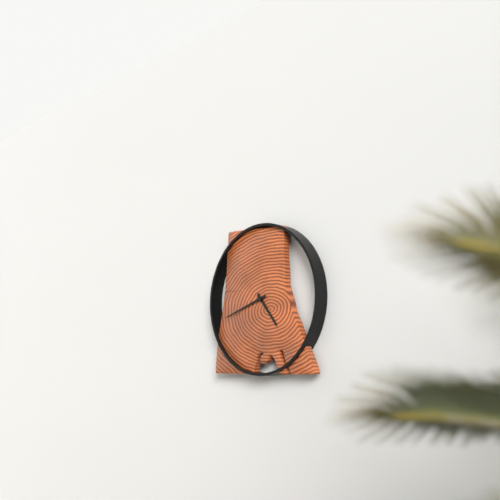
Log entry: 4:42
